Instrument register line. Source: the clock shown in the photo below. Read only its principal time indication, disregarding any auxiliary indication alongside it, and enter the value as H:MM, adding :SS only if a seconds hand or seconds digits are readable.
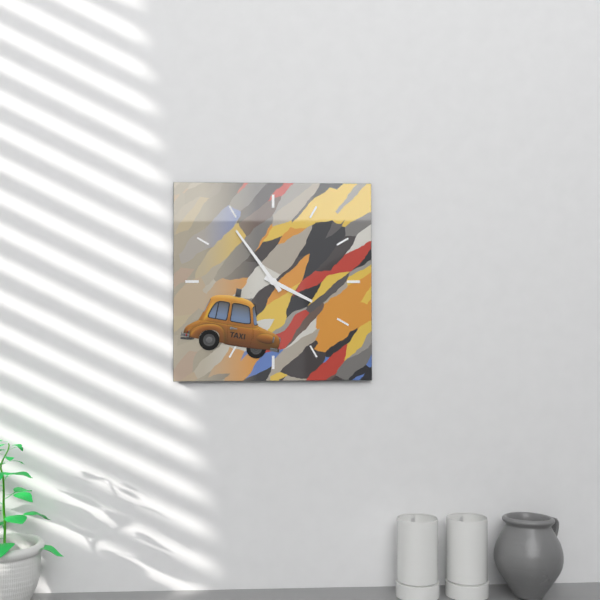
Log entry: 3:54
